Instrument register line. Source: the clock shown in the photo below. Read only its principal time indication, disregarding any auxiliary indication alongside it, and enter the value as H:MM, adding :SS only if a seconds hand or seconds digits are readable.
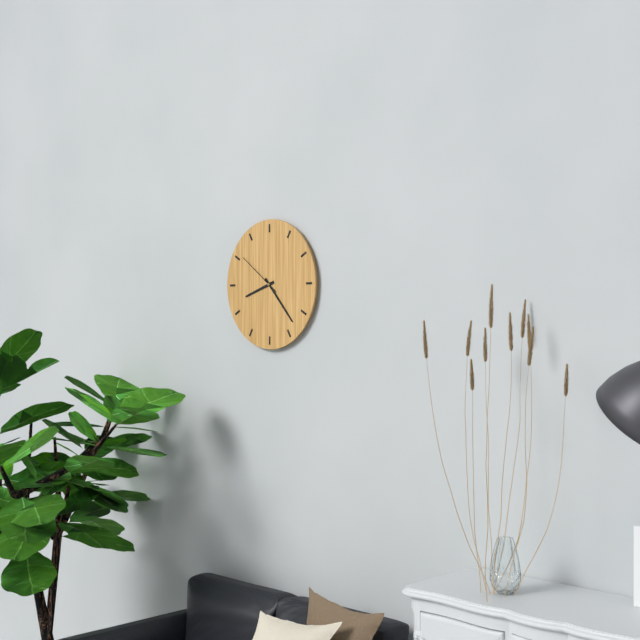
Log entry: 8:23
